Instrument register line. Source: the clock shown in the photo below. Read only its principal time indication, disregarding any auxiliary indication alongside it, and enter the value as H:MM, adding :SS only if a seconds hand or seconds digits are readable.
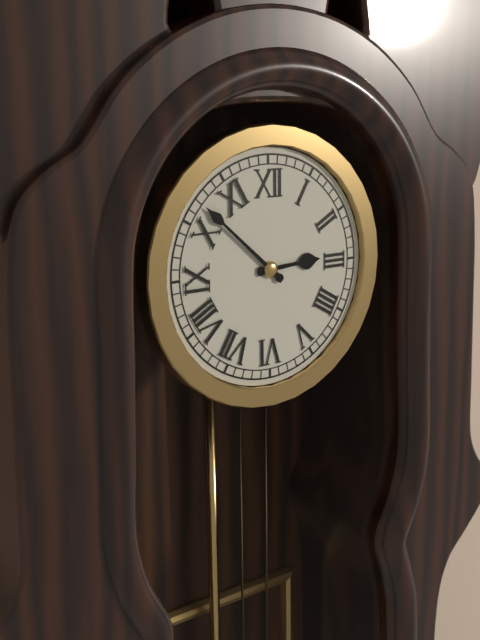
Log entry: 2:52
